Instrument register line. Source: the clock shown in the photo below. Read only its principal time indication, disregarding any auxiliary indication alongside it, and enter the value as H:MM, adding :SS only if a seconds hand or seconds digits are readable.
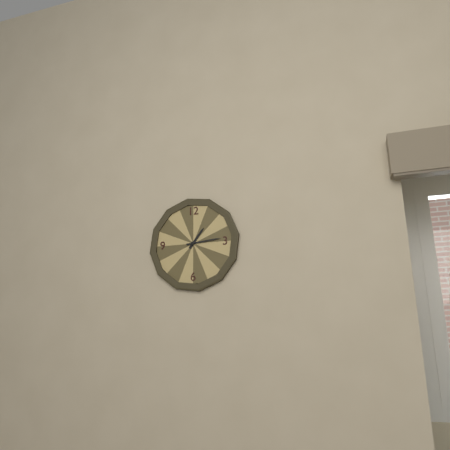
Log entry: 1:14
